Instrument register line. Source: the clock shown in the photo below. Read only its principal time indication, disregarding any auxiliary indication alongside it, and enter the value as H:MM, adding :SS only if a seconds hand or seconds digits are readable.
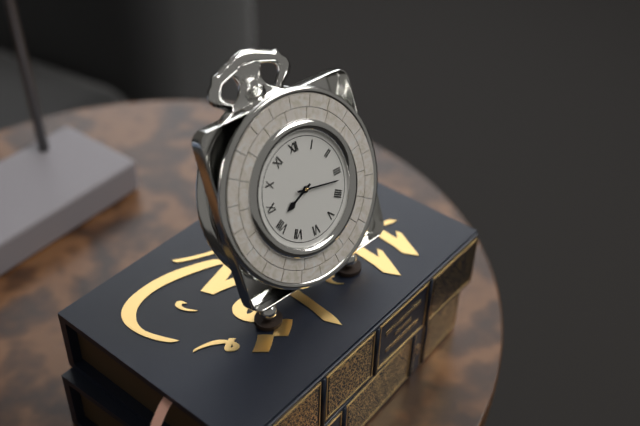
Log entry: 8:17
